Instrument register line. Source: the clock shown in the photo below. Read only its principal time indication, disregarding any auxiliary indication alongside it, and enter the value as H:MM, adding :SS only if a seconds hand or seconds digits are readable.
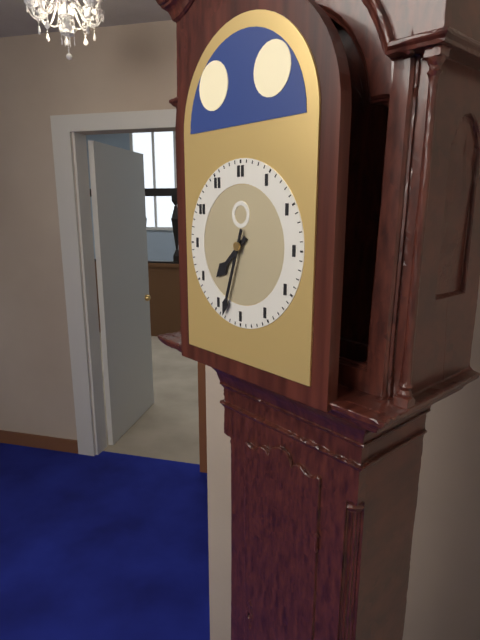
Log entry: 7:33
